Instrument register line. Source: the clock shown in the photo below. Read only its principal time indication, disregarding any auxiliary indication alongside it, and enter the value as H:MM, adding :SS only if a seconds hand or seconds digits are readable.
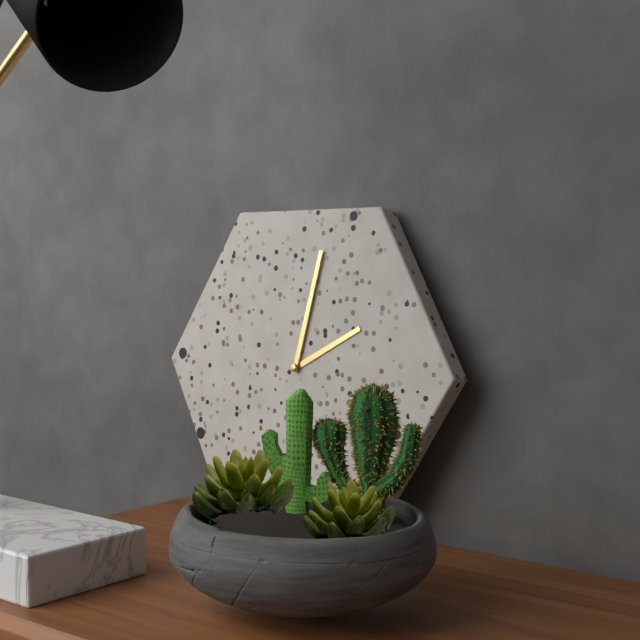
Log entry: 2:02
